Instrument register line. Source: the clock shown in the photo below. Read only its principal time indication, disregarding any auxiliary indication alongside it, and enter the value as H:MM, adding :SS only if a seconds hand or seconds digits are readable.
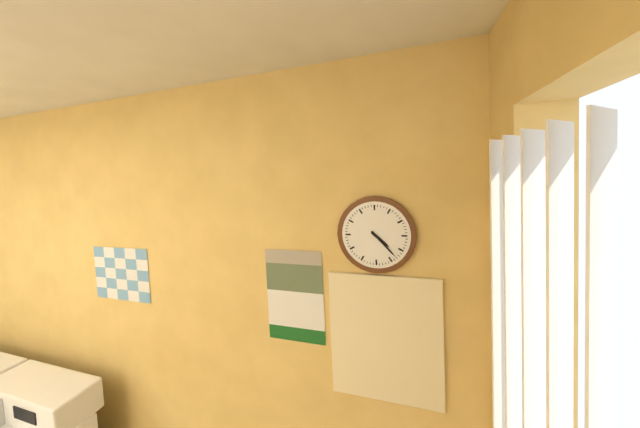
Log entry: 4:23
